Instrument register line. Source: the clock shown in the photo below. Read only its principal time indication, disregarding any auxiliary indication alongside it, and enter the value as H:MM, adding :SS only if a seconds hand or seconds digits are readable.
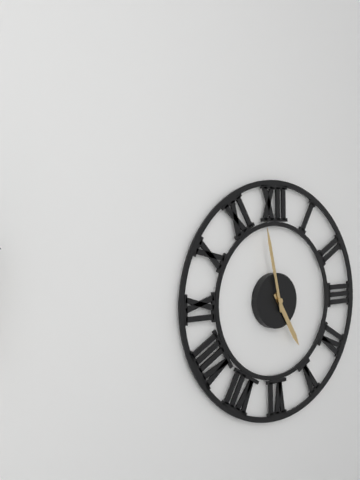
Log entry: 4:58
